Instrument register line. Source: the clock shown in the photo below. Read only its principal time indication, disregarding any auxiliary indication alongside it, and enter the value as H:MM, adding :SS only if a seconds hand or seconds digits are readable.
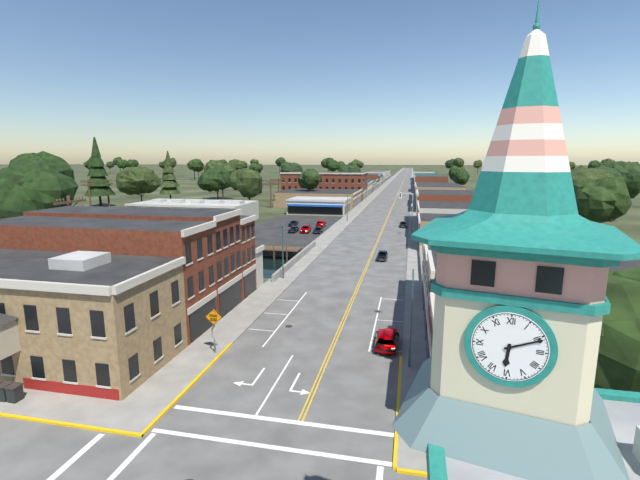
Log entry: 6:11
